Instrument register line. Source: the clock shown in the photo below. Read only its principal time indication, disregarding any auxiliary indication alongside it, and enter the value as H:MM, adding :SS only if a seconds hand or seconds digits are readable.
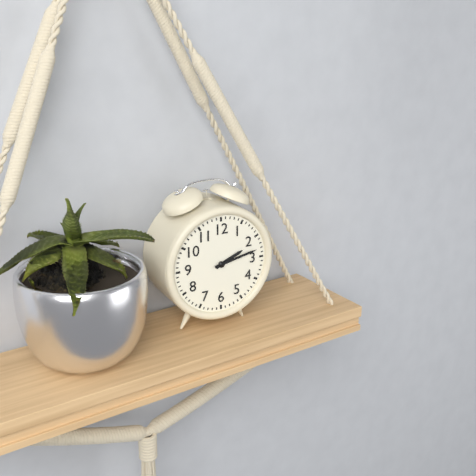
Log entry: 2:13
